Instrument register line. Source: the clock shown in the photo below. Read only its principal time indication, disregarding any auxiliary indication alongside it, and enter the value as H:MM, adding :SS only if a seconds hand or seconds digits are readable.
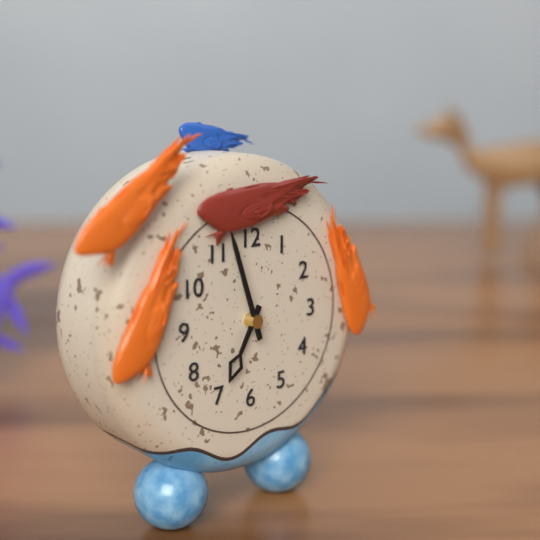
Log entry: 6:57
